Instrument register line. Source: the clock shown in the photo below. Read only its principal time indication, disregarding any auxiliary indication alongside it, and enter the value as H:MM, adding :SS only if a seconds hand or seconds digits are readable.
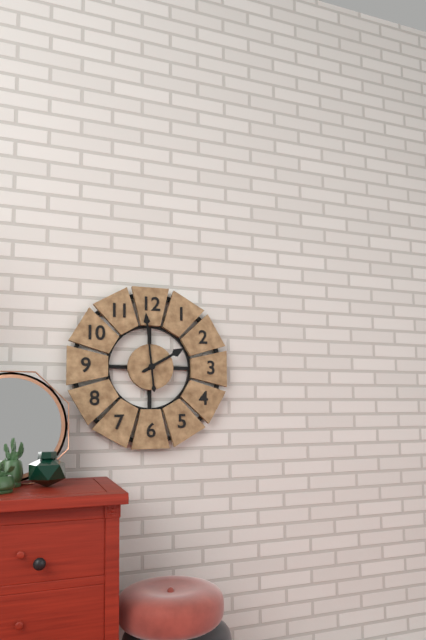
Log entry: 1:59
